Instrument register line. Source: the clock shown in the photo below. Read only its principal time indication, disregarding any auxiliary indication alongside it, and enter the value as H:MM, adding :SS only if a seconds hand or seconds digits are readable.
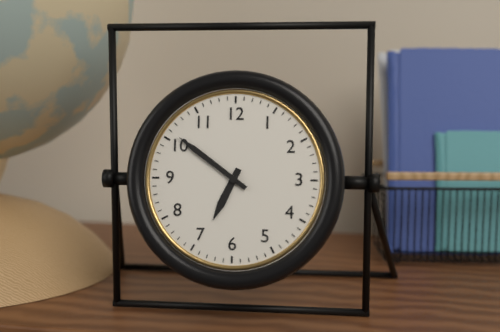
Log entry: 6:51
